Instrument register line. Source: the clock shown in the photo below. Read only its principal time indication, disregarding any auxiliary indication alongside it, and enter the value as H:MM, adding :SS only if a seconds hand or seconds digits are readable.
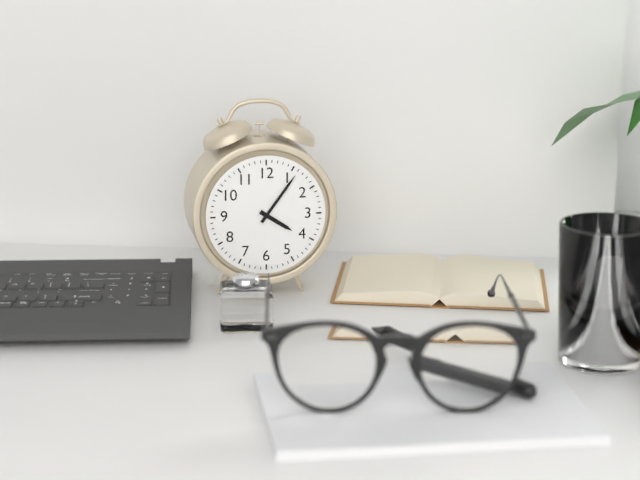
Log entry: 4:06
